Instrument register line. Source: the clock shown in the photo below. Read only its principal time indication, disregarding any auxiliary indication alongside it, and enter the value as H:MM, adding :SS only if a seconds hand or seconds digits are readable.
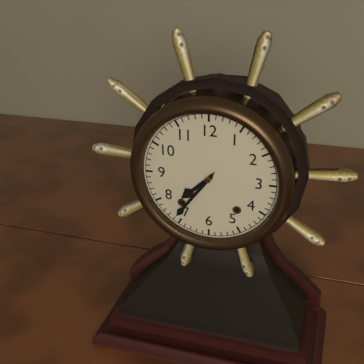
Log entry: 7:36
